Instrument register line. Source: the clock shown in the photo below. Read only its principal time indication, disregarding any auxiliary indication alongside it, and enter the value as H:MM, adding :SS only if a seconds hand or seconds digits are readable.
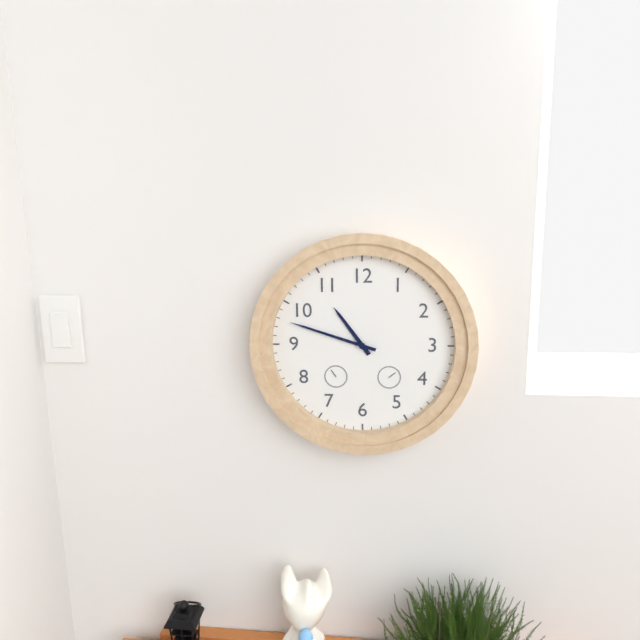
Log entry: 10:48
